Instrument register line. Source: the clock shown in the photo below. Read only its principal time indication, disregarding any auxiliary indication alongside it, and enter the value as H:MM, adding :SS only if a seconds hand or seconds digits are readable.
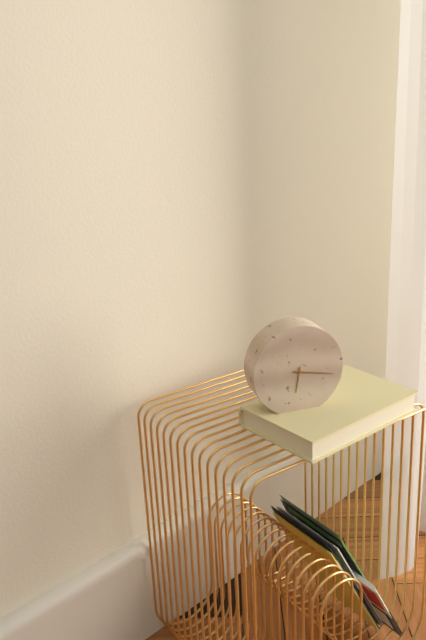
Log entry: 6:17
